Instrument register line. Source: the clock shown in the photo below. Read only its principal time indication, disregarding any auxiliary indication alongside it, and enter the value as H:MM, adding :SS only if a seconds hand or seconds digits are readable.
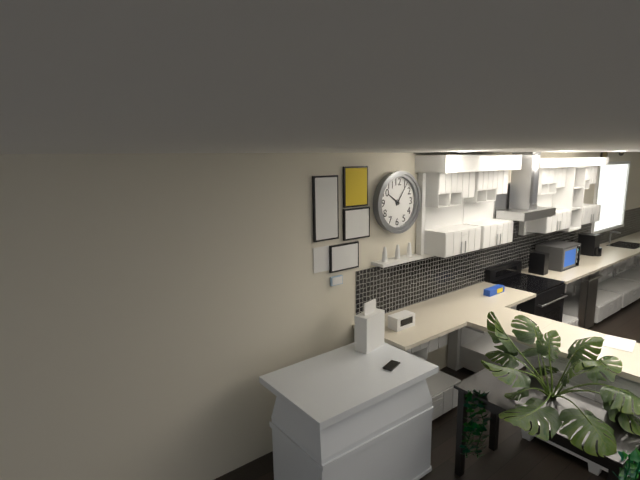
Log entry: 10:06
